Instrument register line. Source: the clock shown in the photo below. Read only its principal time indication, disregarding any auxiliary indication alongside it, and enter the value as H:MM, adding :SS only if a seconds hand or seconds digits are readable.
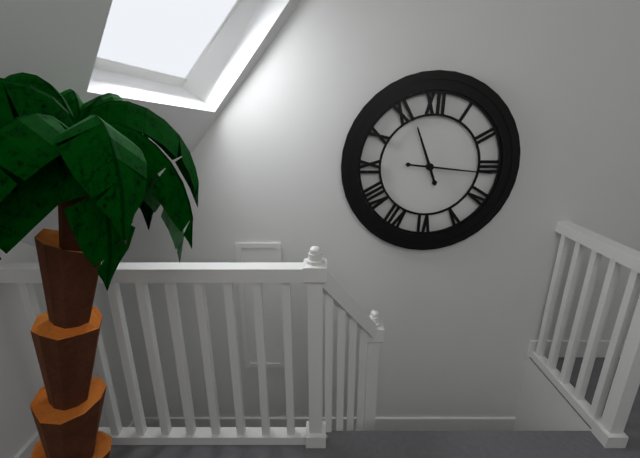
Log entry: 11:16
